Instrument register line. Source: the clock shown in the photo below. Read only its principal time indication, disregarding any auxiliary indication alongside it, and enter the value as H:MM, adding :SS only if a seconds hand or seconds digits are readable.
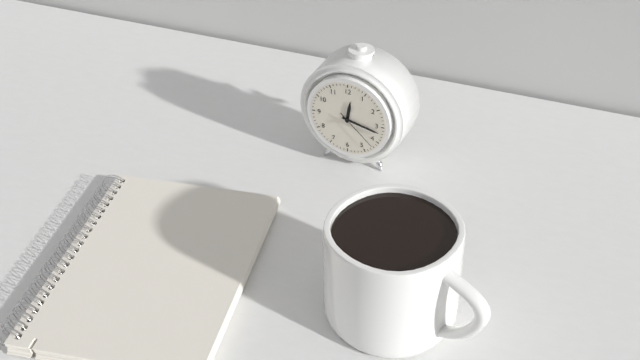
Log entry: 12:17
